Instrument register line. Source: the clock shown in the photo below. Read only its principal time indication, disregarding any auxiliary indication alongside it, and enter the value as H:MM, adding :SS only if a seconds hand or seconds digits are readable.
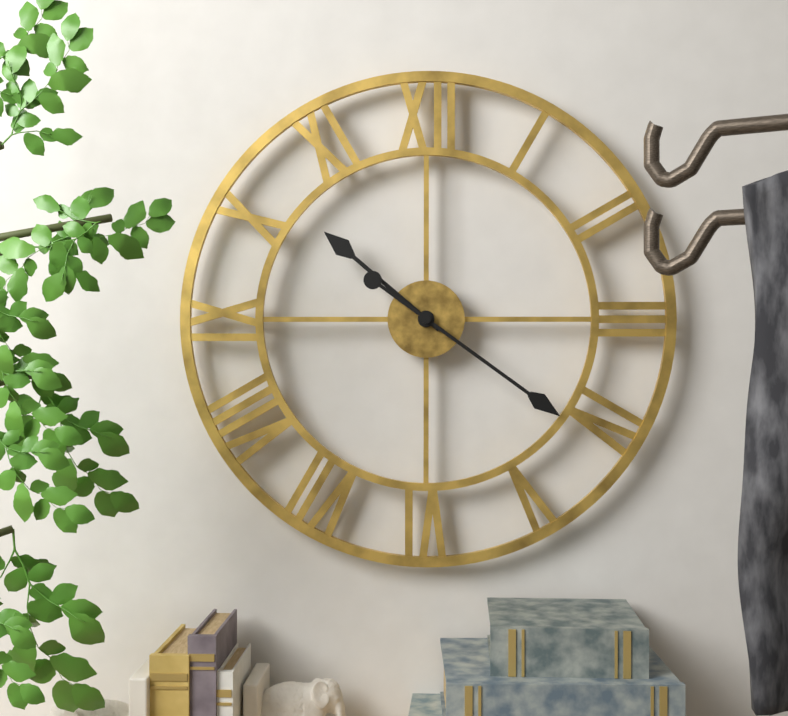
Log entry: 10:21
